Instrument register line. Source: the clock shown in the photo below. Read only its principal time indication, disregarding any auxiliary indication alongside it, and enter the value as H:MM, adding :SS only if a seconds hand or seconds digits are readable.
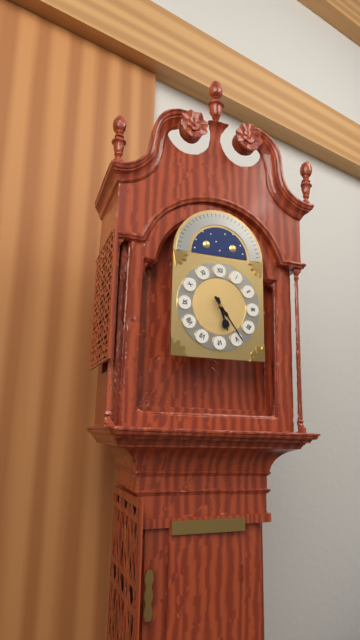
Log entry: 5:24
